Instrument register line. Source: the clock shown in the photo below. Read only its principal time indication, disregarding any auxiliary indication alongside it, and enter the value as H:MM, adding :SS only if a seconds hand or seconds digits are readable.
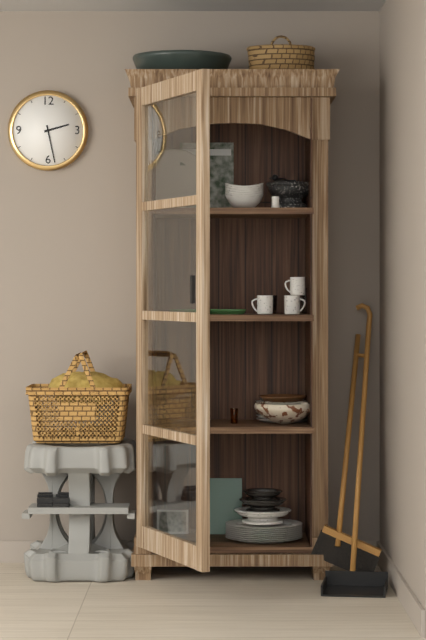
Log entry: 2:28
